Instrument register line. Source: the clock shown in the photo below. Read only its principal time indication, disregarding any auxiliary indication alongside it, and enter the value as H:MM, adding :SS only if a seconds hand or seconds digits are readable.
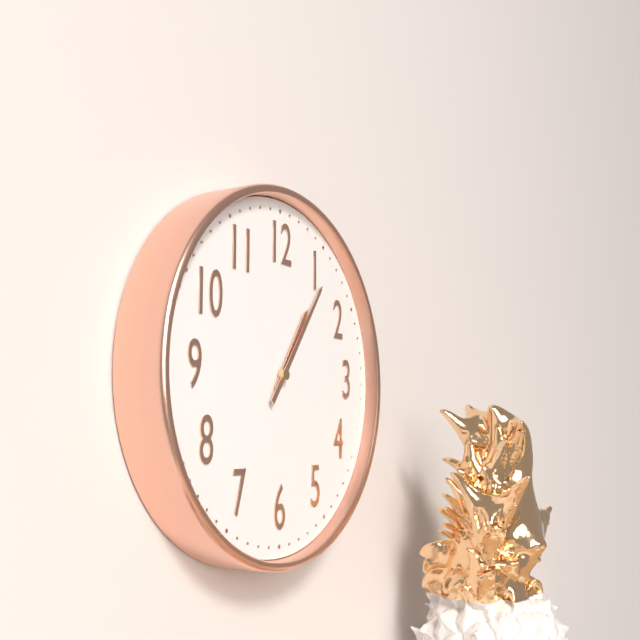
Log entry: 1:06
